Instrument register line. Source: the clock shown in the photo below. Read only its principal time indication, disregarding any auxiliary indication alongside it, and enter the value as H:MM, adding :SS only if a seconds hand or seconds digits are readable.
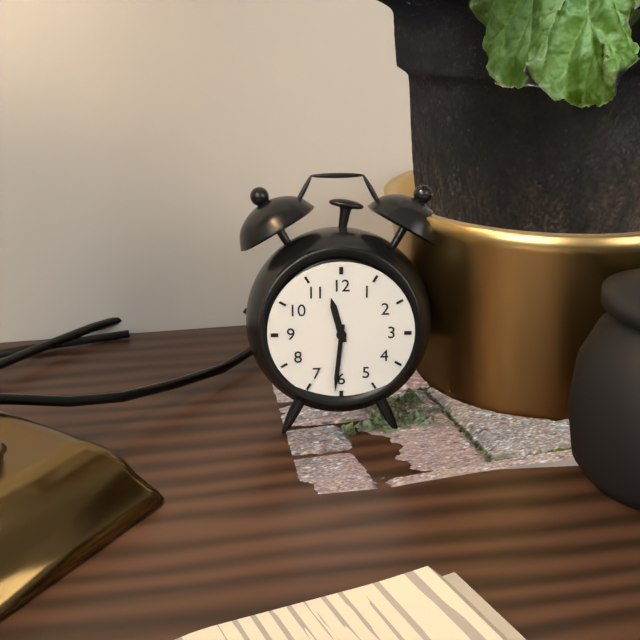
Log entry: 11:31
